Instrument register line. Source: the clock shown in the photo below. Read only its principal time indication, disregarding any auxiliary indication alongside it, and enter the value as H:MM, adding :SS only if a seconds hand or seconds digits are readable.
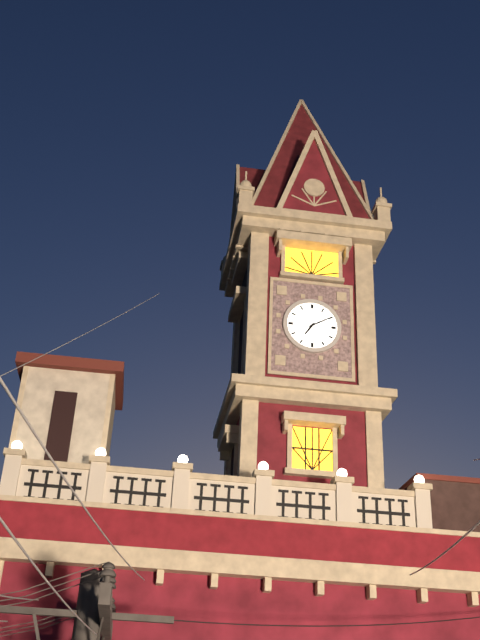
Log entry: 7:10
